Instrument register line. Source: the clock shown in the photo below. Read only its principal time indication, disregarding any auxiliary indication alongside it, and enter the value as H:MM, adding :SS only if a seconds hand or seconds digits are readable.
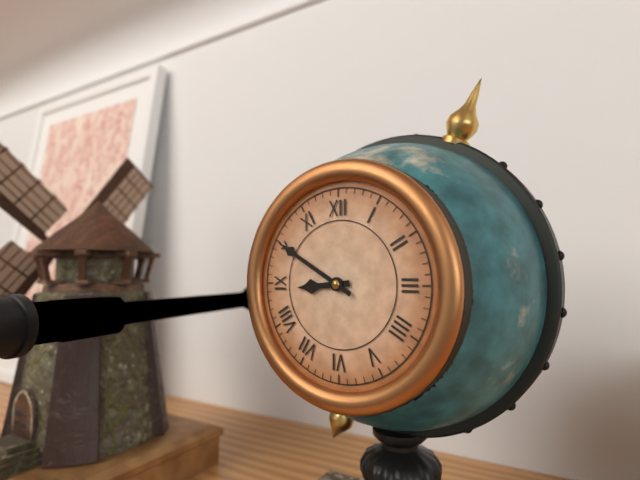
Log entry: 8:50
